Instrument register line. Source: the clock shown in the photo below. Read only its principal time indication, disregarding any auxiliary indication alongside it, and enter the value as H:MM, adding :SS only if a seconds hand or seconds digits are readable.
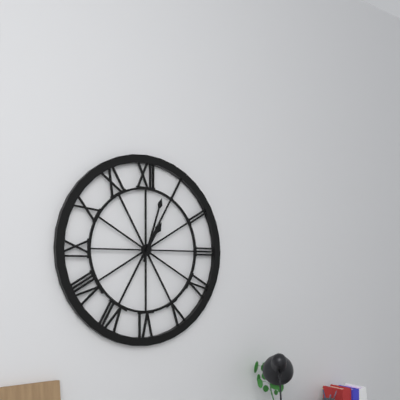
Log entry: 1:03
